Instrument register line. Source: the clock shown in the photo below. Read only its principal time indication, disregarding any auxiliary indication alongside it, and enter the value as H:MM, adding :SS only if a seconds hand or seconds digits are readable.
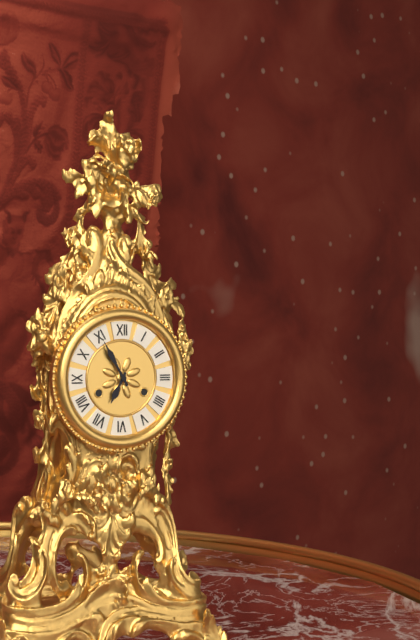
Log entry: 6:55
